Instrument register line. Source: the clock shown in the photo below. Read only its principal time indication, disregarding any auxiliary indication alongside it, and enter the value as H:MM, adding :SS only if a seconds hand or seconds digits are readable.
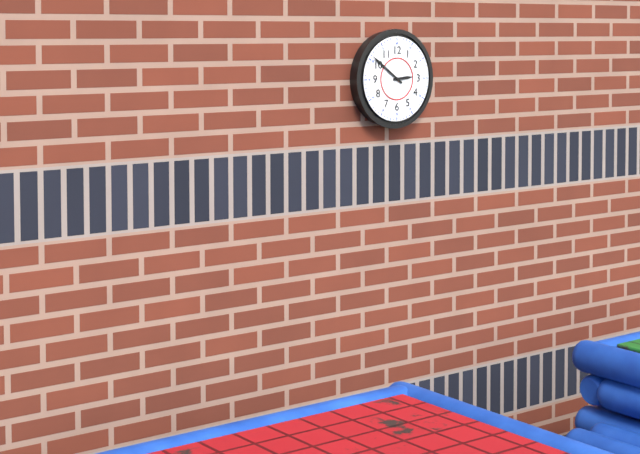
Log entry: 2:51
